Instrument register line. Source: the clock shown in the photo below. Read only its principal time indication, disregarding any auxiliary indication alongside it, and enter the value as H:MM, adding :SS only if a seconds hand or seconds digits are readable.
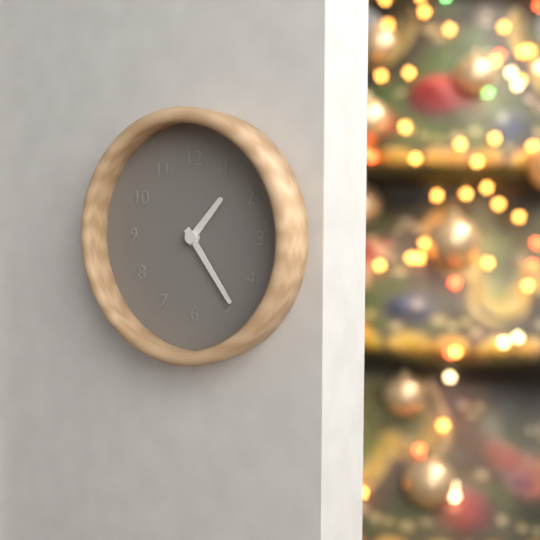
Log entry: 1:24
